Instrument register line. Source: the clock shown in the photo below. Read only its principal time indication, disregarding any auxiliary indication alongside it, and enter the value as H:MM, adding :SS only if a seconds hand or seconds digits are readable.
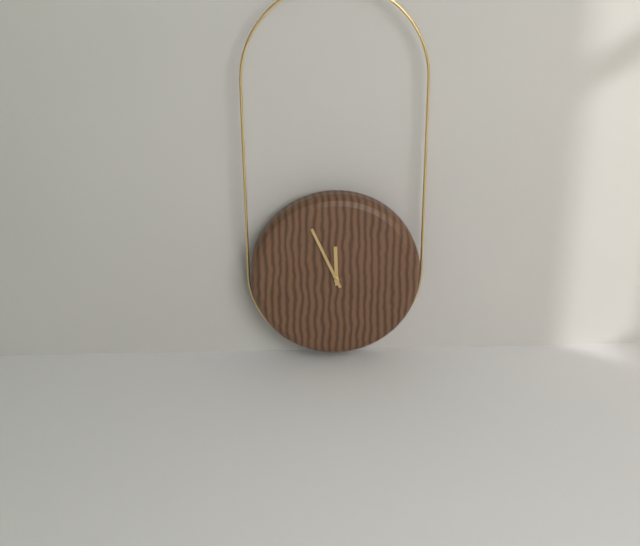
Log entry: 11:56
